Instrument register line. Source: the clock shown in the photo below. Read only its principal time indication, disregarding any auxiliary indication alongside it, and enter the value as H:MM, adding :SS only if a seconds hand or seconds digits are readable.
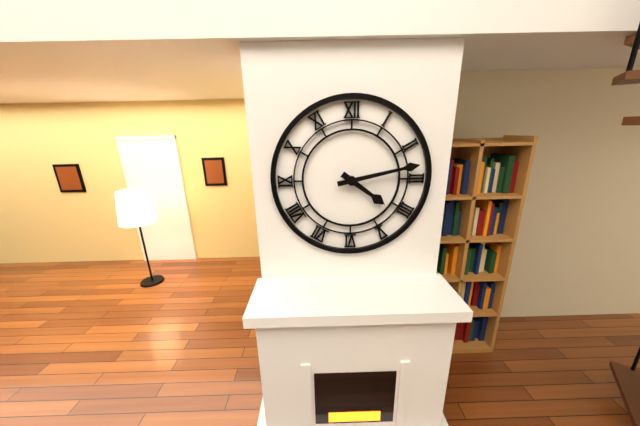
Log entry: 4:13
